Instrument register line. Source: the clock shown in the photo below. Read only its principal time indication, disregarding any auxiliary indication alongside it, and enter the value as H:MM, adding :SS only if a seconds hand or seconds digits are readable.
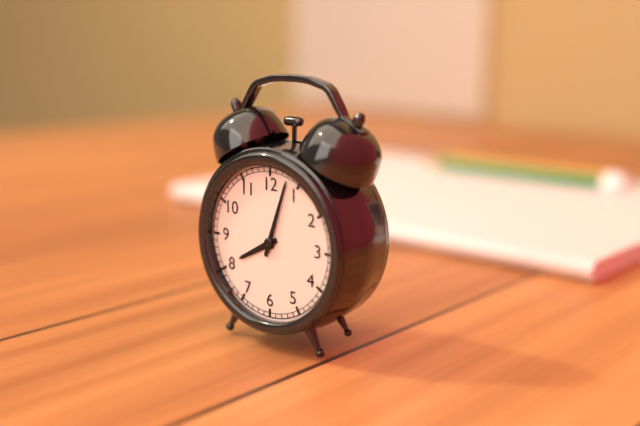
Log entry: 8:03
